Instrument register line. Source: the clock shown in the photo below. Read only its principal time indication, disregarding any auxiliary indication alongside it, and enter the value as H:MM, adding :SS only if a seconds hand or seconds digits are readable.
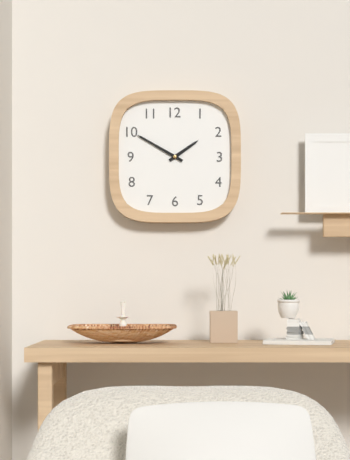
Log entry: 1:50
